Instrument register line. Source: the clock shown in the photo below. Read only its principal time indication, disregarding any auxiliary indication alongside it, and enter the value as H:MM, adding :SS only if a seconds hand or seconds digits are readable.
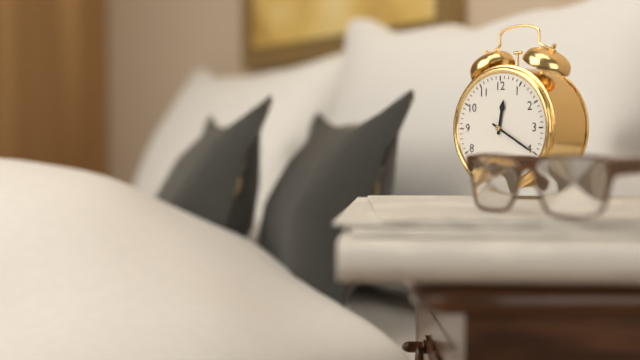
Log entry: 12:20
